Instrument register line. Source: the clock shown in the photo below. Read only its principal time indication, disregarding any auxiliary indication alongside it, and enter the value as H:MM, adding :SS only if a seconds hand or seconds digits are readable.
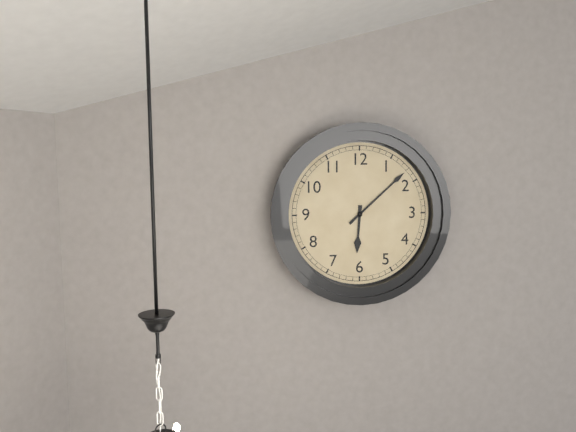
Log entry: 6:08
